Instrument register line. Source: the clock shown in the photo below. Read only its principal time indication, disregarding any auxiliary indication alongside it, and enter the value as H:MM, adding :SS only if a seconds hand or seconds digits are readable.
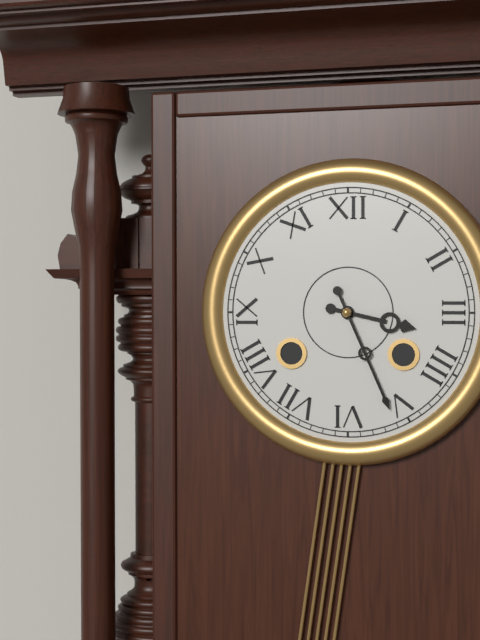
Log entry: 3:26
